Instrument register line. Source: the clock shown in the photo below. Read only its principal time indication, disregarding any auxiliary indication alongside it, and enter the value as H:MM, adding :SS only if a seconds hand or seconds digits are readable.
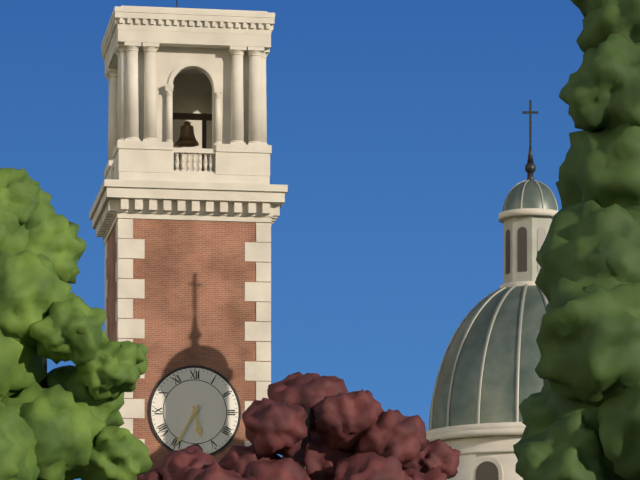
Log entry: 5:35
